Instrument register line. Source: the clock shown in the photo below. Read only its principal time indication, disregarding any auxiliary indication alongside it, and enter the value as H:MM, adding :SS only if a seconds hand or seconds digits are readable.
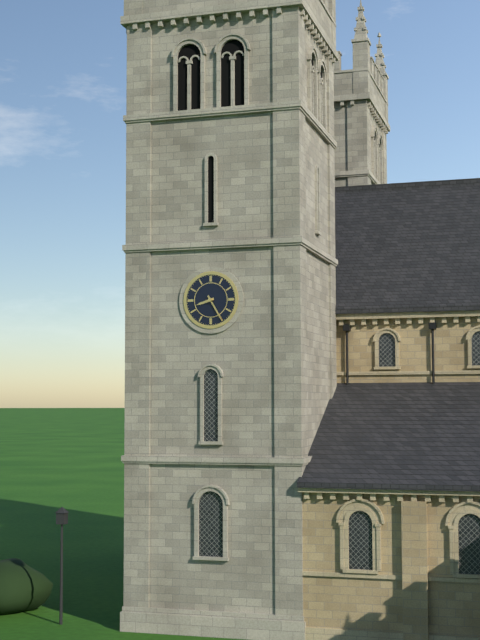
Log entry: 8:25
